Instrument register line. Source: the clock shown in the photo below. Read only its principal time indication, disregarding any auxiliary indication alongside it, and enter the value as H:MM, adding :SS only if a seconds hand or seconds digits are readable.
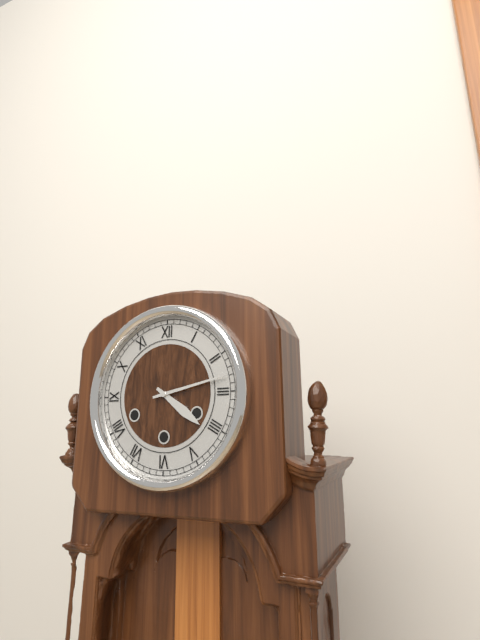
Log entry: 4:13
